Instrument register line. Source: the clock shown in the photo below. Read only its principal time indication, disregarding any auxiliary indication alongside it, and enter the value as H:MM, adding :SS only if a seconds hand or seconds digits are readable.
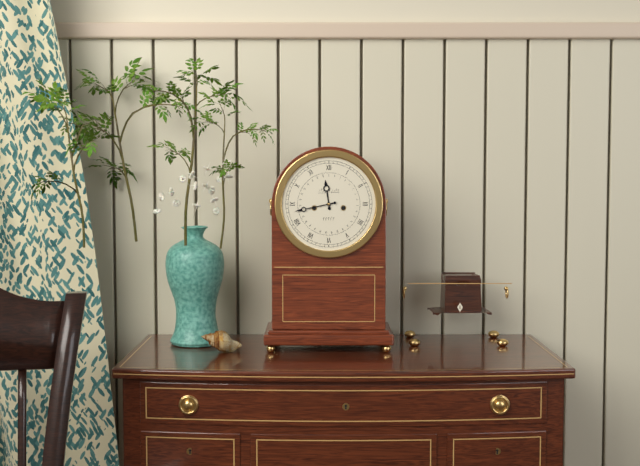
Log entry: 11:43
